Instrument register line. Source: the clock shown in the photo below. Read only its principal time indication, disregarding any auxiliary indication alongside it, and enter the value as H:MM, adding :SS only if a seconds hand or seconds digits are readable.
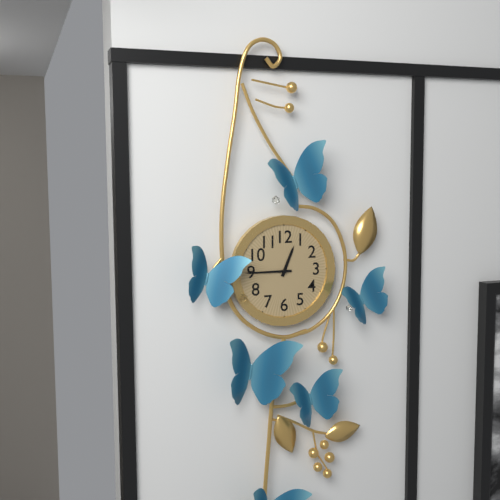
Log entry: 12:45
